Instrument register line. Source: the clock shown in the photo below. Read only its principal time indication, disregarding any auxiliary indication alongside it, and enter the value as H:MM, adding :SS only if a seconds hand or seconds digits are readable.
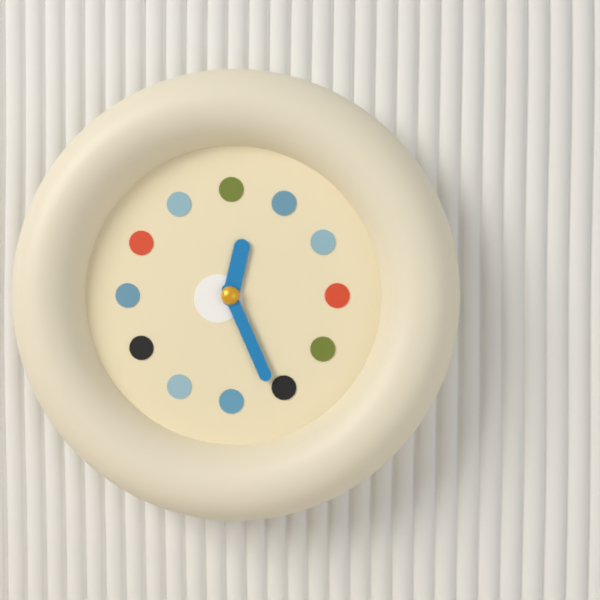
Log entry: 12:26
